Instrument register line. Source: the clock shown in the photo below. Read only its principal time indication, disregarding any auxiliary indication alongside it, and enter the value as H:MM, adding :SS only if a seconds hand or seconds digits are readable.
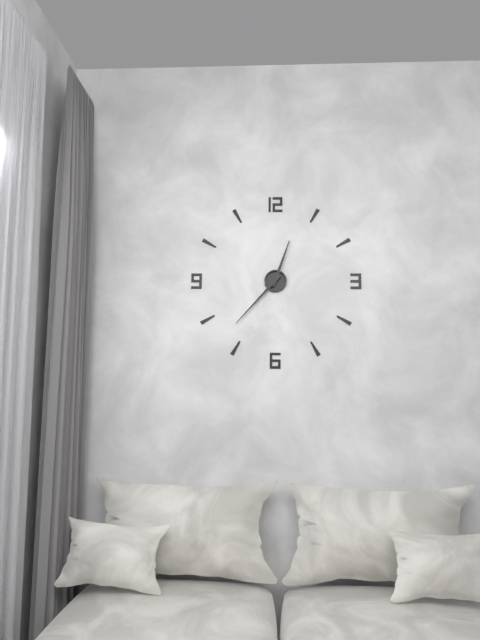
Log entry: 12:37
